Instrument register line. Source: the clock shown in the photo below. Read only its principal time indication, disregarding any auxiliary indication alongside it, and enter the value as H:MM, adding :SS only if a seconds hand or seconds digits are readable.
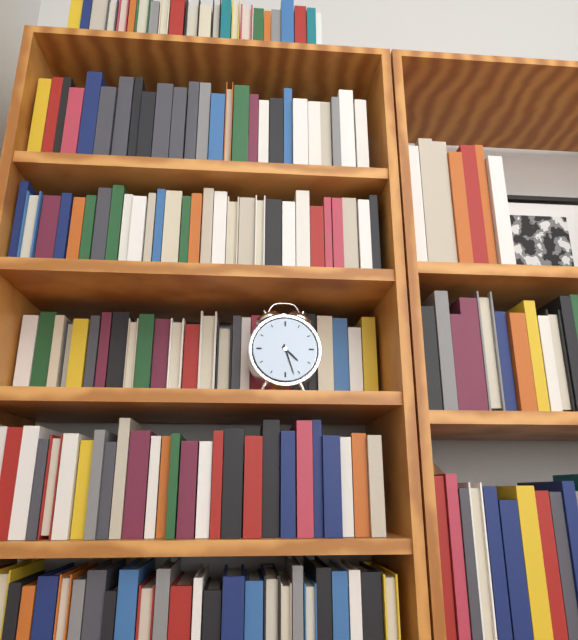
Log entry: 4:27
